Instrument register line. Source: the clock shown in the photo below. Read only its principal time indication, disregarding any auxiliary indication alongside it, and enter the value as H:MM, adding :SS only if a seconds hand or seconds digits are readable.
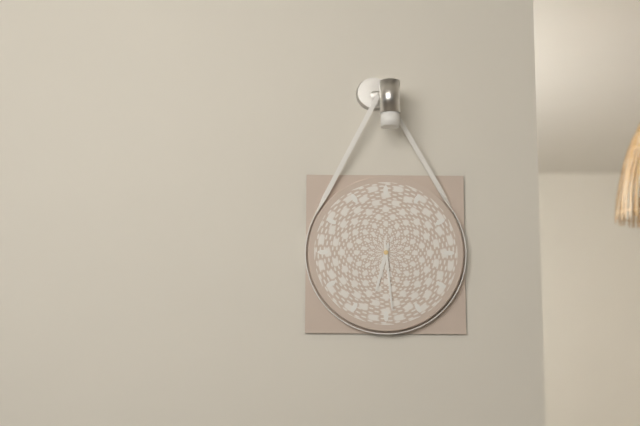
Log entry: 6:29
